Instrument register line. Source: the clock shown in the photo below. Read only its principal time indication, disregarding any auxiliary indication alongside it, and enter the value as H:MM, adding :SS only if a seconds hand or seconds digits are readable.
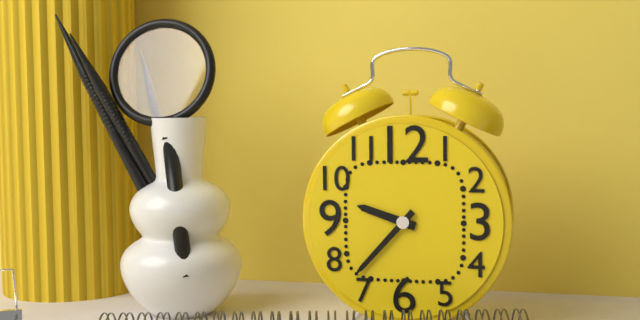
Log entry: 9:37
